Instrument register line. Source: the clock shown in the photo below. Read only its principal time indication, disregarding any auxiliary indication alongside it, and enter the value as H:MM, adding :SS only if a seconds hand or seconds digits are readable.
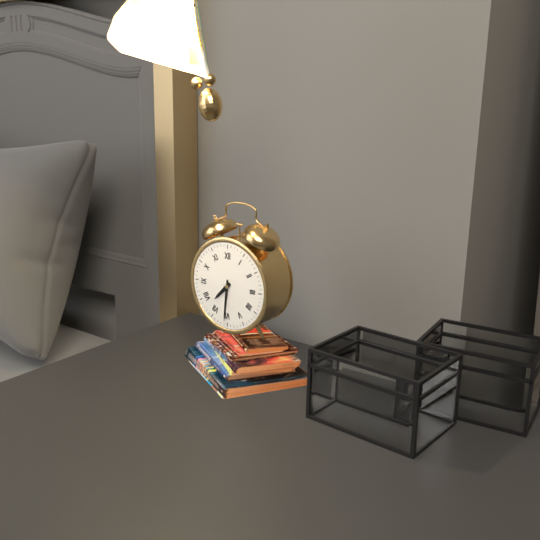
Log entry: 7:31
